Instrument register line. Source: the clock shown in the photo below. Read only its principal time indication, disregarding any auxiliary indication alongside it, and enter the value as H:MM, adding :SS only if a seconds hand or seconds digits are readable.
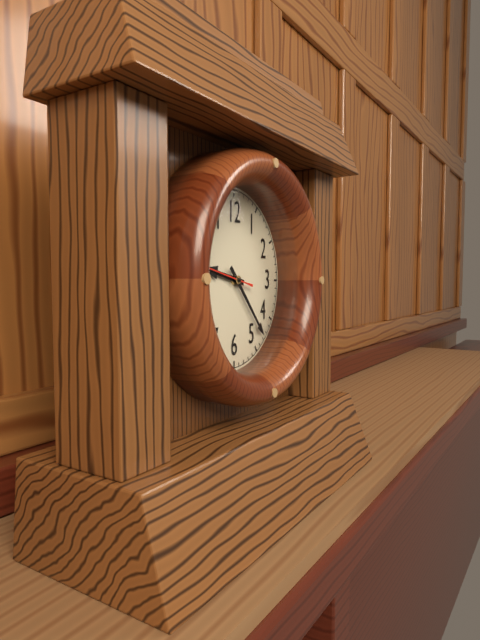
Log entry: 9:23
